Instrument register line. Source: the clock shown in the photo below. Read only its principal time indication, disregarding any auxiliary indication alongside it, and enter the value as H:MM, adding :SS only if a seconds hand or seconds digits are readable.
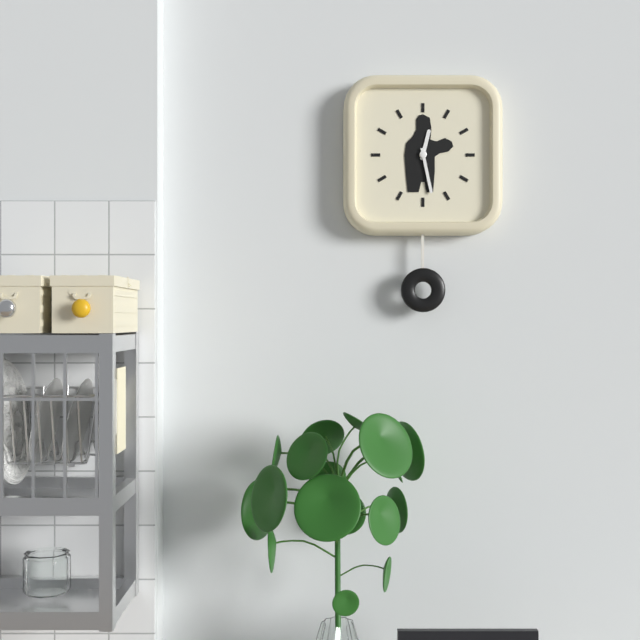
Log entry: 12:28
